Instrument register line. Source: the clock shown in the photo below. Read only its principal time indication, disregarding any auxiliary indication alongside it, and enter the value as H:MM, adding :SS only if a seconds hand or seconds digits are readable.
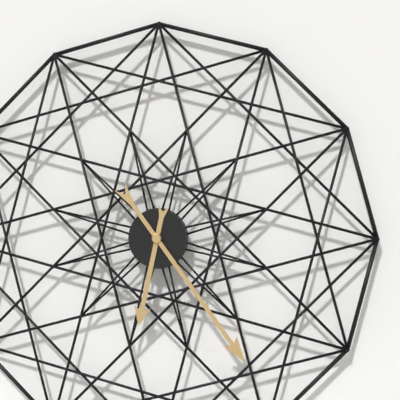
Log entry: 6:24
